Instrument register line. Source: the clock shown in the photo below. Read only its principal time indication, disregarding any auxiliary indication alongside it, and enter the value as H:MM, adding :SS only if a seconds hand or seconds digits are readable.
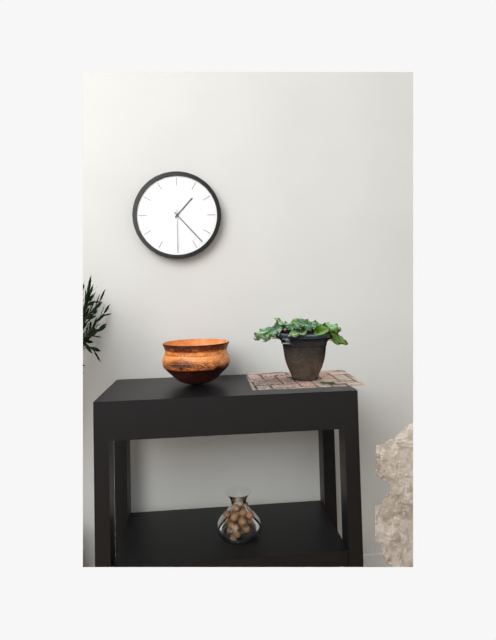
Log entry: 1:23
